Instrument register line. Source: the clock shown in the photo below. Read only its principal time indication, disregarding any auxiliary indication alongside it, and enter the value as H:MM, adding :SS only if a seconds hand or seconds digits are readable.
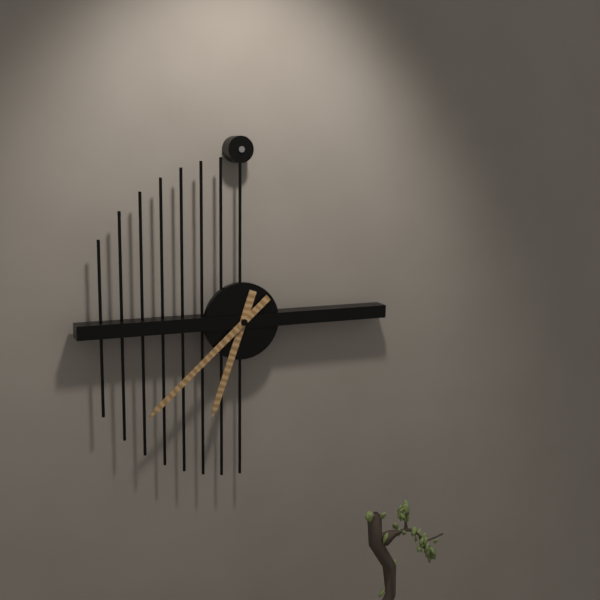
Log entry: 6:38
